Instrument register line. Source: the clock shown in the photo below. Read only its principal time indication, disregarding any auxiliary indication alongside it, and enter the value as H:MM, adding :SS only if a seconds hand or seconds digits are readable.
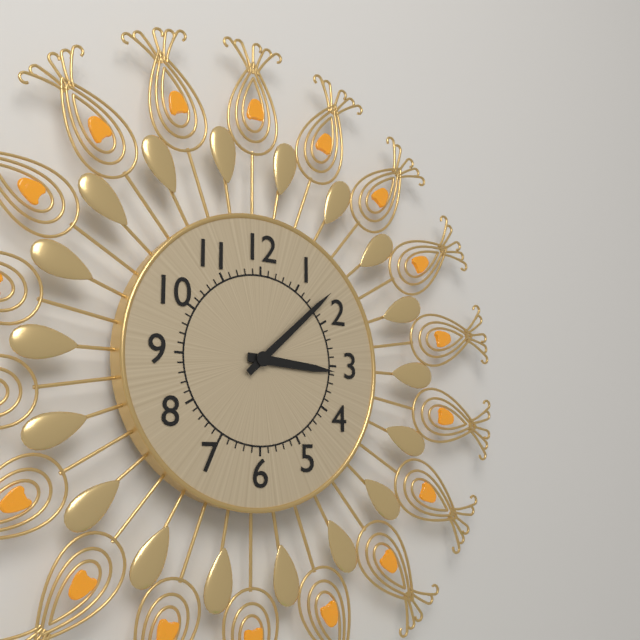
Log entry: 3:08
